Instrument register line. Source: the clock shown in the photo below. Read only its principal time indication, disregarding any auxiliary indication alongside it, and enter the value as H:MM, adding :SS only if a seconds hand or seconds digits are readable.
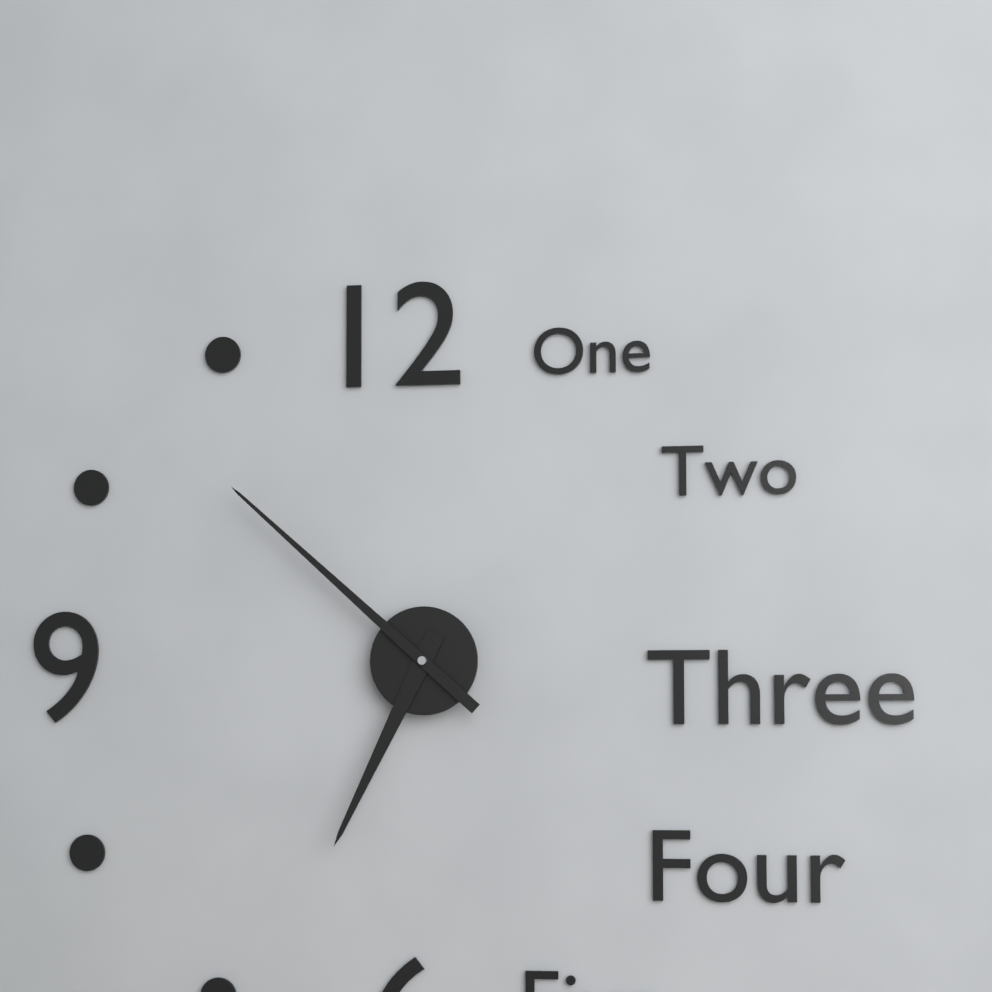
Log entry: 6:52
